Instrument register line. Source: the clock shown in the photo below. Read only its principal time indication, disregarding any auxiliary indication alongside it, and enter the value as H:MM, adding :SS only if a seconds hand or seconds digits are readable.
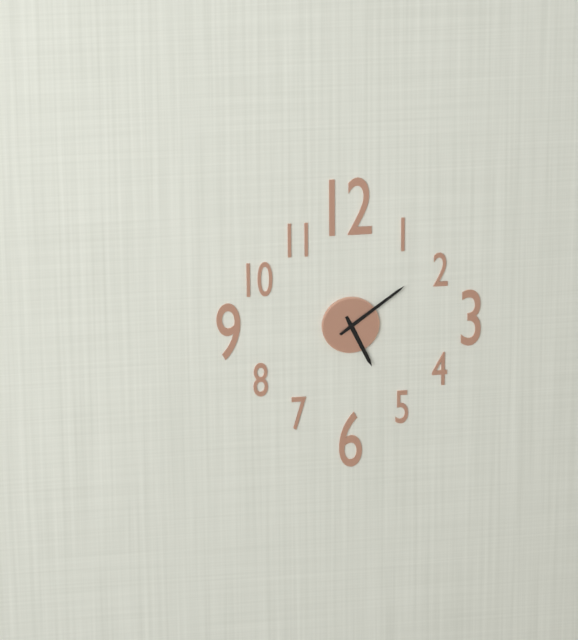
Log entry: 5:09
